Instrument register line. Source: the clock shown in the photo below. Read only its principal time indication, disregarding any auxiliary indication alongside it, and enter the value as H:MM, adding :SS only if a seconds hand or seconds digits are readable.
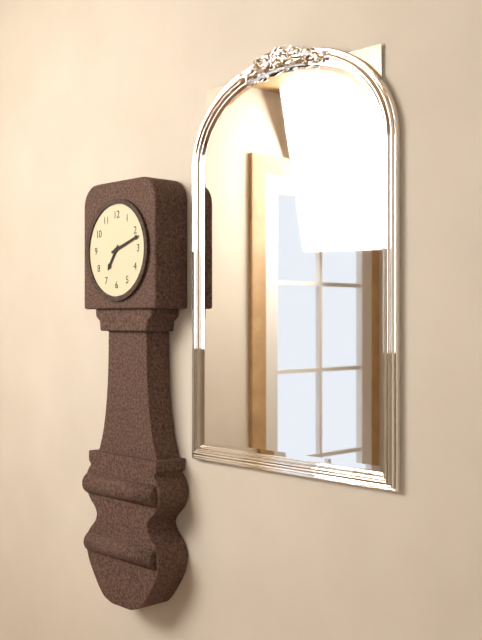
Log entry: 7:12
